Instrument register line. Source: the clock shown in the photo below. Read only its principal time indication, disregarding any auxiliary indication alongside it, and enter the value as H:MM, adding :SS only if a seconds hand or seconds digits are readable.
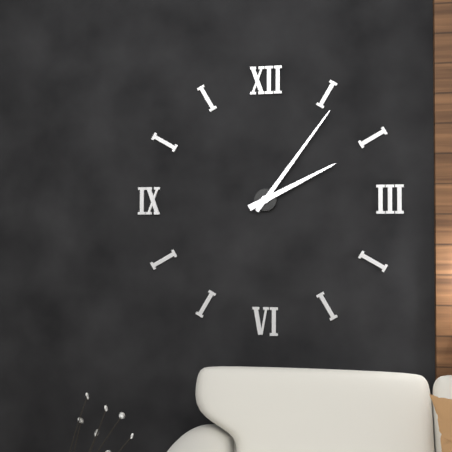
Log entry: 2:06
